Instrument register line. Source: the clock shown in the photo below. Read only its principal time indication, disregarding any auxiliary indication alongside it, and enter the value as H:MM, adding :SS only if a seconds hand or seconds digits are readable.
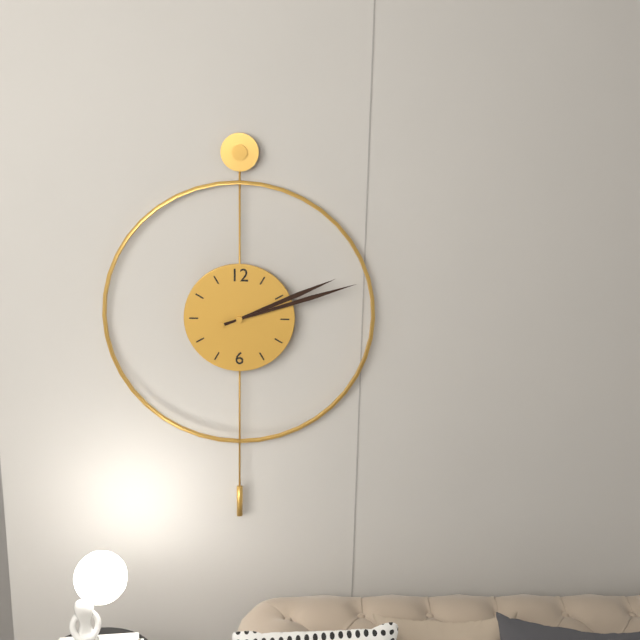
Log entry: 2:12
